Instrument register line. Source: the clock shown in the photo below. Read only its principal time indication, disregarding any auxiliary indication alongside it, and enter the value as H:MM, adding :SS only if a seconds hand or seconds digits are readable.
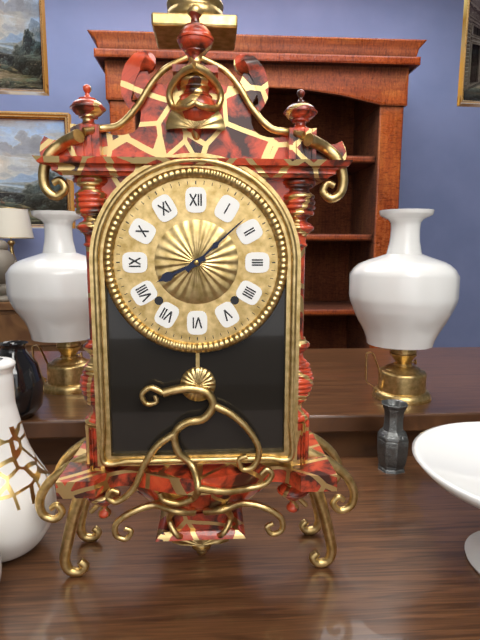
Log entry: 8:08
